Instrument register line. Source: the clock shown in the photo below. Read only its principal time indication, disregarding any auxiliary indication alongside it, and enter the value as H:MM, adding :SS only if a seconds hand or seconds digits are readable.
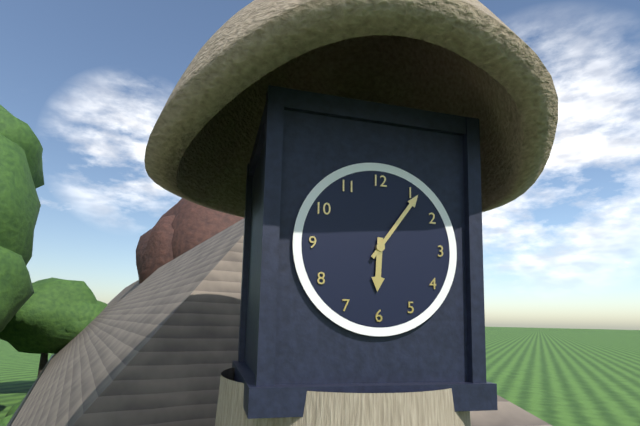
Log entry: 6:06
